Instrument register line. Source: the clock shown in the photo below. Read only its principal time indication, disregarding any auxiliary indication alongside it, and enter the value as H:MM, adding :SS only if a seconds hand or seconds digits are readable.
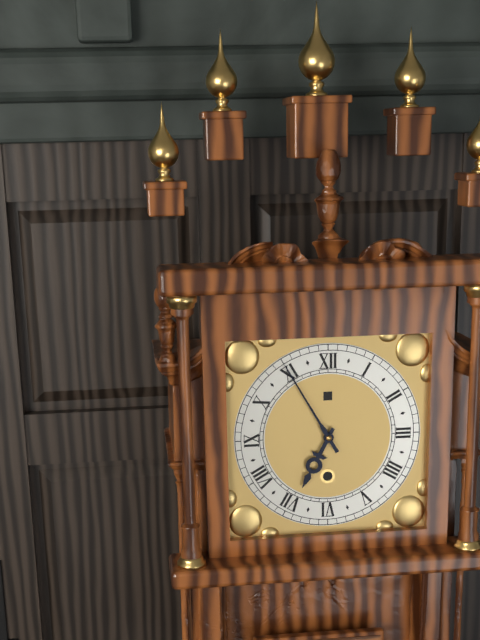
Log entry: 6:55
